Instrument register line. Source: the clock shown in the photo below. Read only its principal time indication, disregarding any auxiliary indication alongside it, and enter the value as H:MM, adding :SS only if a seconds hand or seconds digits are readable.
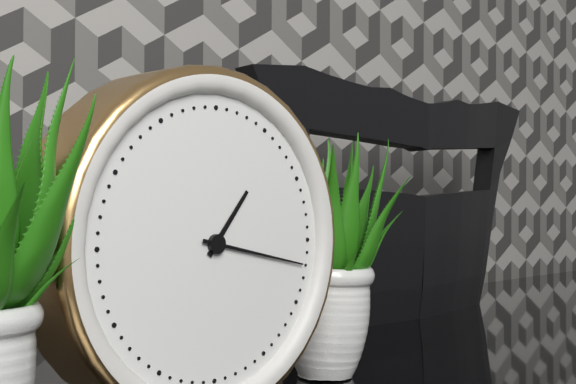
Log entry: 1:17
